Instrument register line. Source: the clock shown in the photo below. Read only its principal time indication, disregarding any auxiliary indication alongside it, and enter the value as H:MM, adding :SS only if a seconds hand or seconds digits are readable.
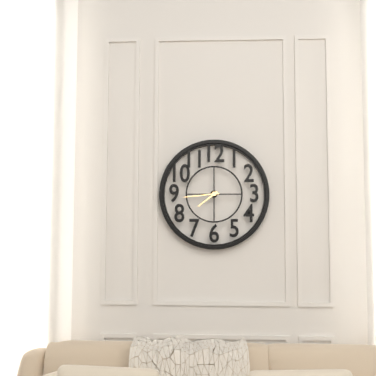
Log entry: 7:44
